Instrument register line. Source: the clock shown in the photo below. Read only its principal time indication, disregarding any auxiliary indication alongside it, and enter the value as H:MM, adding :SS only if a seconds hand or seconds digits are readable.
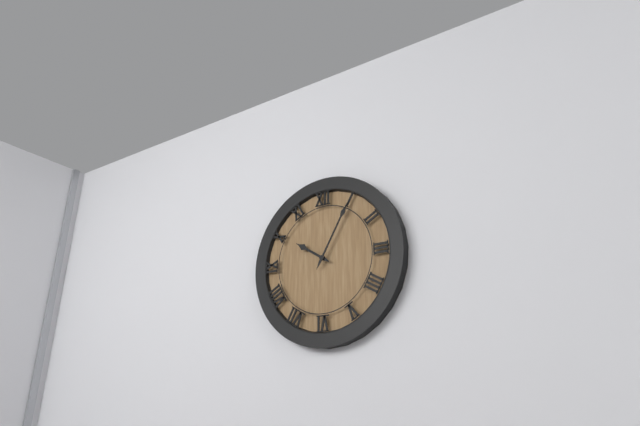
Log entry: 10:05
